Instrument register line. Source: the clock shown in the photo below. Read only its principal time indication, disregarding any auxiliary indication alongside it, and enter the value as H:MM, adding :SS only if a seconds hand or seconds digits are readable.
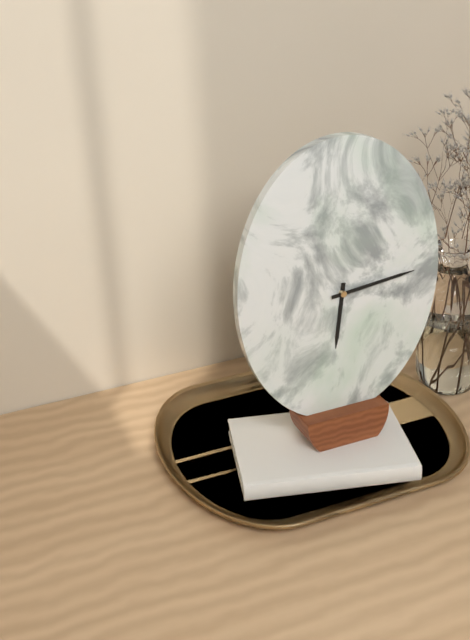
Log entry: 6:14
